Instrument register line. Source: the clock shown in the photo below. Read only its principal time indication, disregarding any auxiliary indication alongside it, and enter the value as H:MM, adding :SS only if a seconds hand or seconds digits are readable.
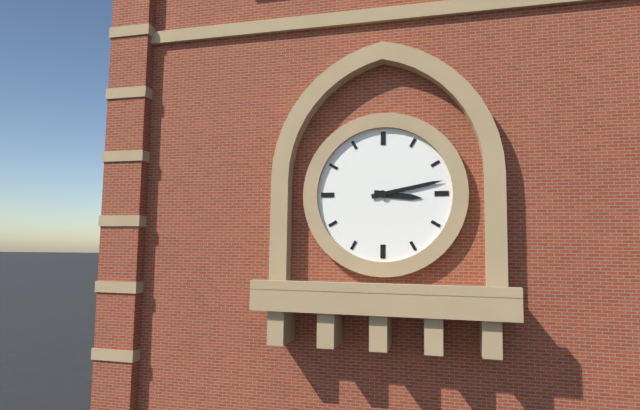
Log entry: 3:13
